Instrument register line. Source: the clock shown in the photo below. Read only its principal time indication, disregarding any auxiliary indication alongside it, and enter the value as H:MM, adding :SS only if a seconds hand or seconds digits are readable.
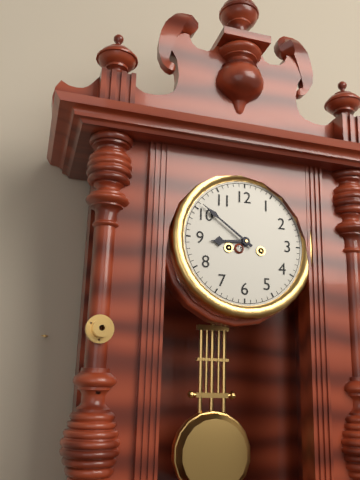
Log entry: 8:51
